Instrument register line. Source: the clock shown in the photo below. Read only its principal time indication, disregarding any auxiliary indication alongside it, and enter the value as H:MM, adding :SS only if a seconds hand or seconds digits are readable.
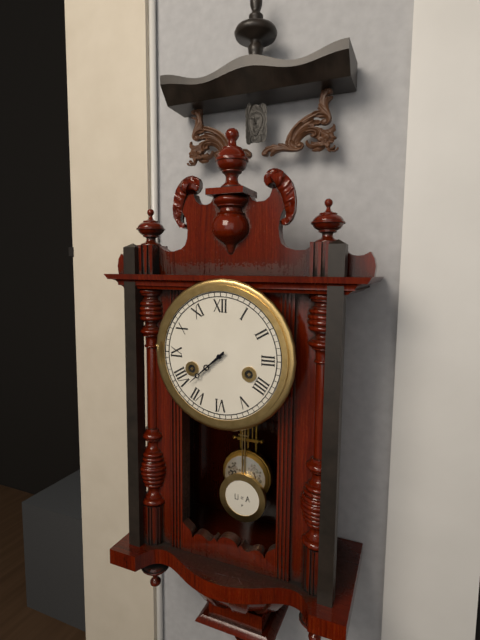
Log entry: 7:38
